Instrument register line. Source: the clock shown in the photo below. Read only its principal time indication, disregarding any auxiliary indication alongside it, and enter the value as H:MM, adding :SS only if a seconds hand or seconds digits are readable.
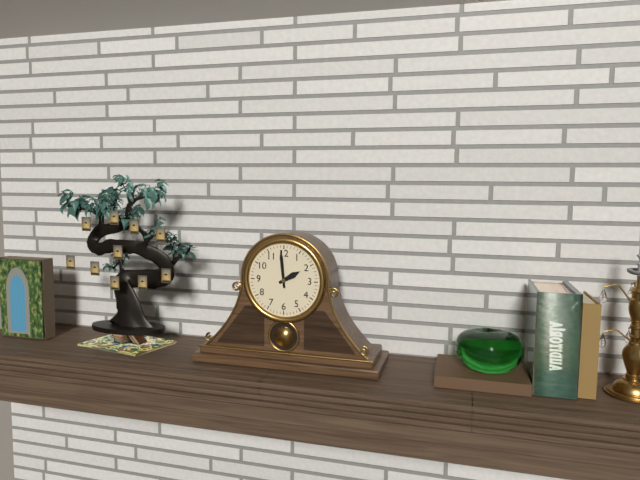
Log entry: 1:59
